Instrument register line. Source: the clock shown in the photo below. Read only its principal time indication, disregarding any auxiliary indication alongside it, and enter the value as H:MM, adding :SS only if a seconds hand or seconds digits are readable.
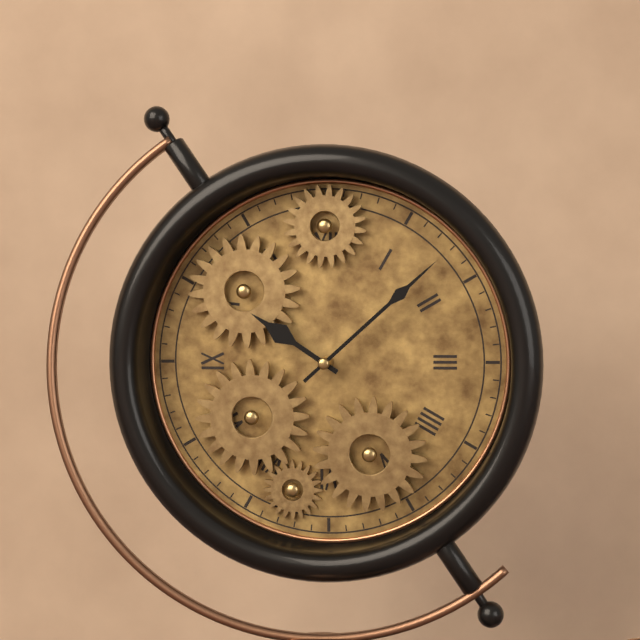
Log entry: 10:08
